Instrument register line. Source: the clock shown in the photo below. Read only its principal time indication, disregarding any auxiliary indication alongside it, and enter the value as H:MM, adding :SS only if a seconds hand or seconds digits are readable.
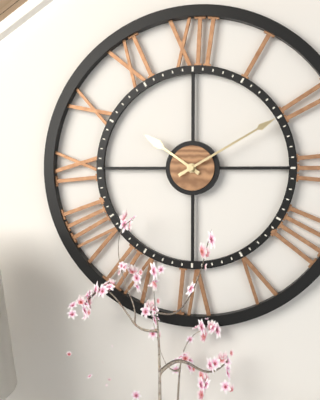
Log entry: 10:10
